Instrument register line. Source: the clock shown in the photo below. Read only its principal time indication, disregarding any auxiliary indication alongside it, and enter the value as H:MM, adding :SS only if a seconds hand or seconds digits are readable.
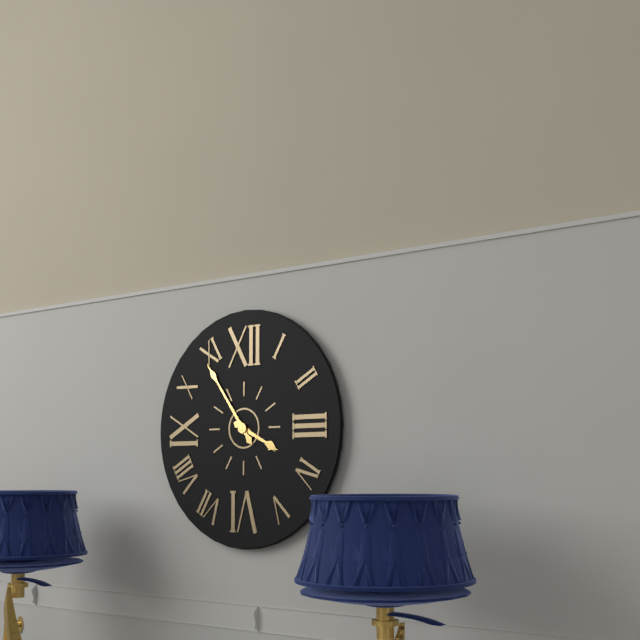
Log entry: 3:54
